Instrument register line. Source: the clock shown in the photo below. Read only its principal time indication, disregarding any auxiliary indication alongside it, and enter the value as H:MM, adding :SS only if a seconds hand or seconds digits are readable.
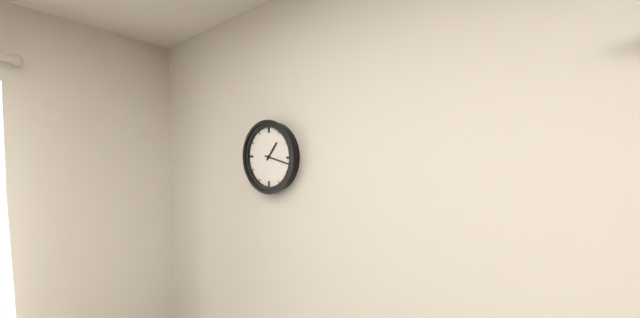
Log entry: 1:17
